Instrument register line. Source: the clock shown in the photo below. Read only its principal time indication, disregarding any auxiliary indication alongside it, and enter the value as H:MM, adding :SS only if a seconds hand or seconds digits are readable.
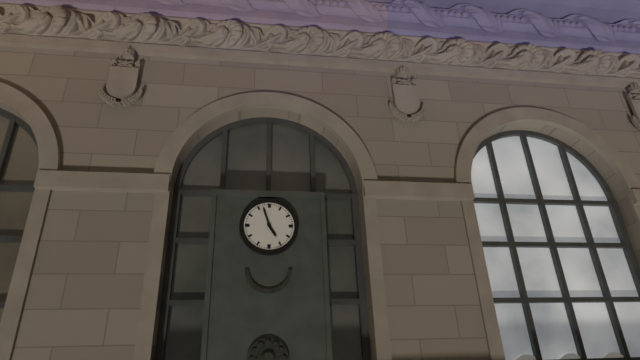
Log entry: 4:57
